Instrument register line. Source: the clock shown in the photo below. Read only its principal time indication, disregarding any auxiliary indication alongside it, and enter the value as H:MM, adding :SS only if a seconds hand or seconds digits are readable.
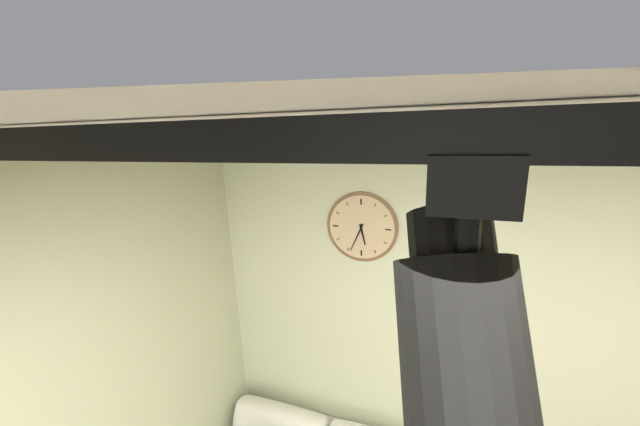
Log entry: 5:34
